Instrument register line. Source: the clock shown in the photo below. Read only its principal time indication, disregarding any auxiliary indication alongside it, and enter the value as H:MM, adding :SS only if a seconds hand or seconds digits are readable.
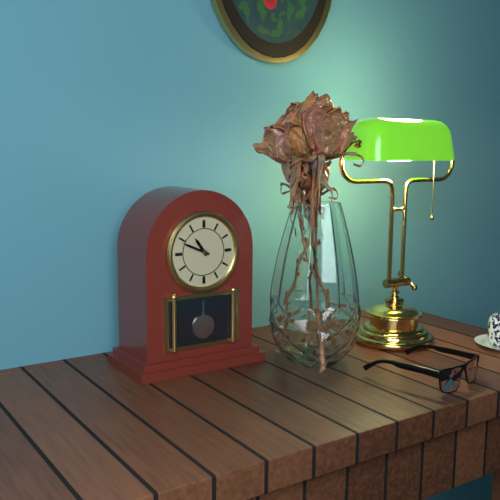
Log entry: 10:49
